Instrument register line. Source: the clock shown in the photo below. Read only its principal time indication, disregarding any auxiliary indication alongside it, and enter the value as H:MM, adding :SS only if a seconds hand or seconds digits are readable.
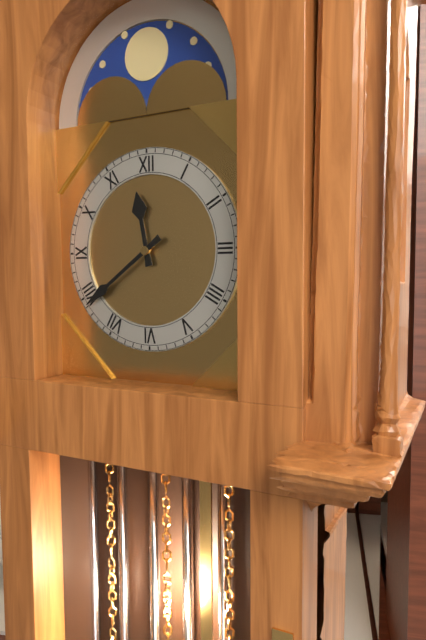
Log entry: 11:39
